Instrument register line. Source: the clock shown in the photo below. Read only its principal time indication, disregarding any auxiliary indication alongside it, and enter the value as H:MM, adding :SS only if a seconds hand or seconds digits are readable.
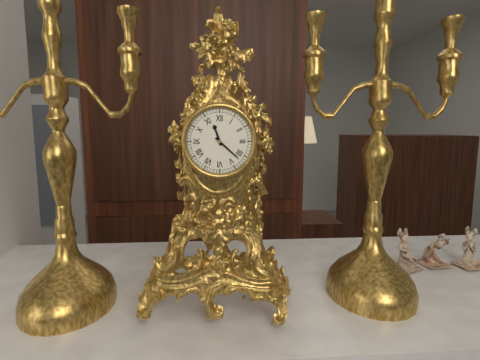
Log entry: 11:22
